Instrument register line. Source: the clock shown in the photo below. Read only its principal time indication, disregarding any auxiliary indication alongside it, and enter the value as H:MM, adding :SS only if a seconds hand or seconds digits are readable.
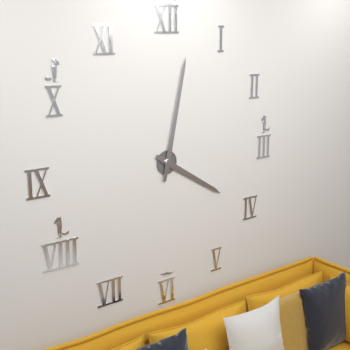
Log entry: 4:02
